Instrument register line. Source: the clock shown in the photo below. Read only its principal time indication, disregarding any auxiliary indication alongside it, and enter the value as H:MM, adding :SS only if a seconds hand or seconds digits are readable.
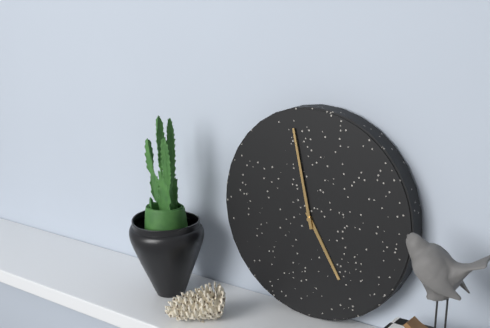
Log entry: 4:58
